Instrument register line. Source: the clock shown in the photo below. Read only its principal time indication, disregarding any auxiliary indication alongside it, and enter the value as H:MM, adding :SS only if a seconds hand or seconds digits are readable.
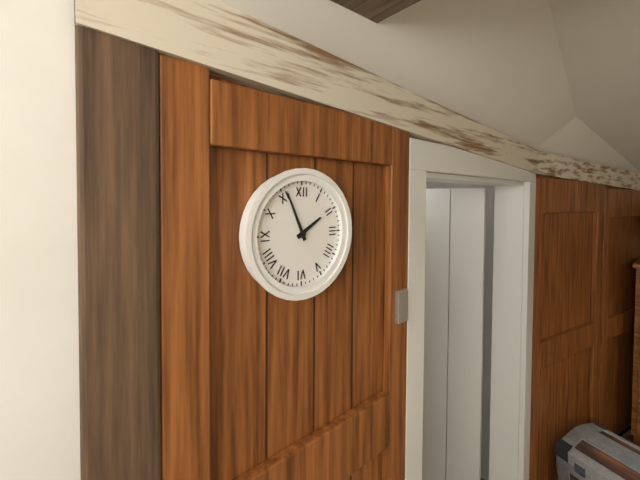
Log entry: 1:56
